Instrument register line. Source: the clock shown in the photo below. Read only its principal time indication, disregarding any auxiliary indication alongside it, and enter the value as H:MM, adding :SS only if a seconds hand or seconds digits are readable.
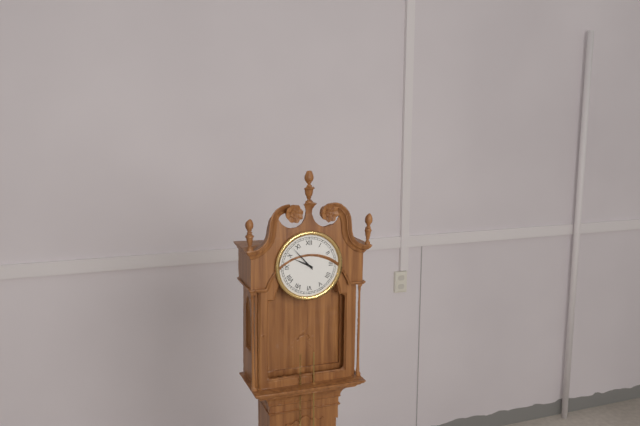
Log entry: 9:53
